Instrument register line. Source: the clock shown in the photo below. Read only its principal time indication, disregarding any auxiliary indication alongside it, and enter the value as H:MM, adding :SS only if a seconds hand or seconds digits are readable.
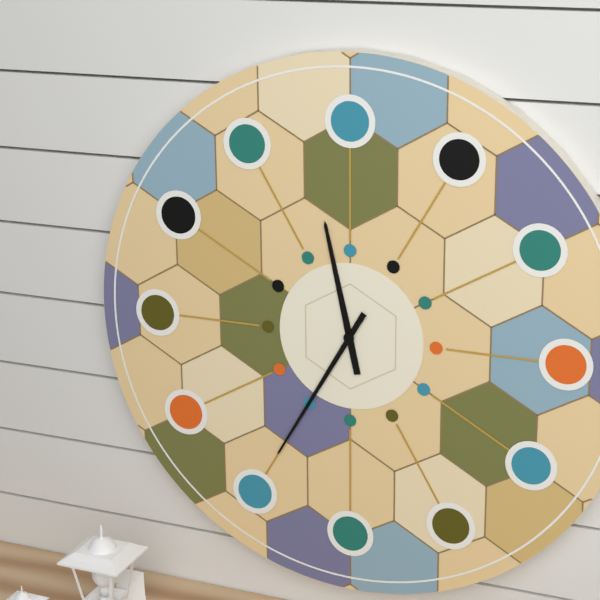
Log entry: 11:35
